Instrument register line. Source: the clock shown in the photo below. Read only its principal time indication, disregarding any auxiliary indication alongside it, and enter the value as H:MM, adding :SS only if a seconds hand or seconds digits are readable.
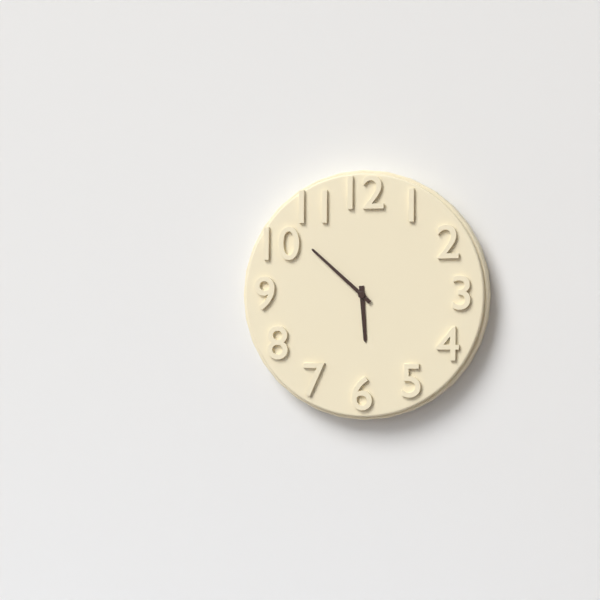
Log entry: 5:52
